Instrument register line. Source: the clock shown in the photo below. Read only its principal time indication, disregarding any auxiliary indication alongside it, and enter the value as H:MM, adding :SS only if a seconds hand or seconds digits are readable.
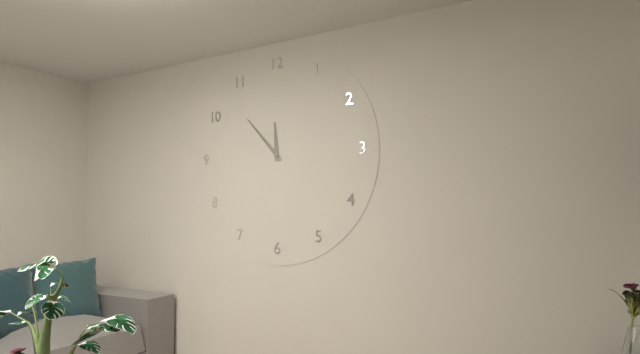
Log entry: 11:53
